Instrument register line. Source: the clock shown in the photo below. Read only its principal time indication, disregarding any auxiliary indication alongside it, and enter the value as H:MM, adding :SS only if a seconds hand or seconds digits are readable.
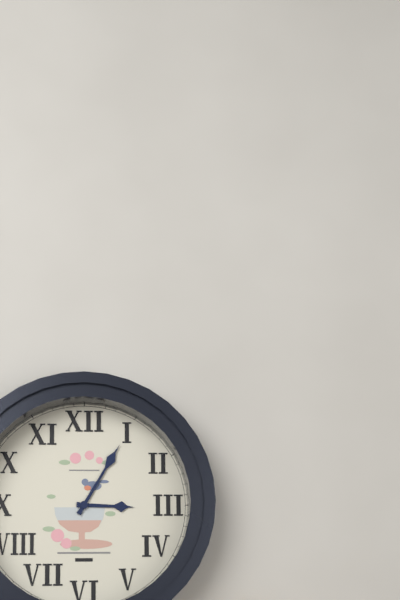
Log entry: 3:05
